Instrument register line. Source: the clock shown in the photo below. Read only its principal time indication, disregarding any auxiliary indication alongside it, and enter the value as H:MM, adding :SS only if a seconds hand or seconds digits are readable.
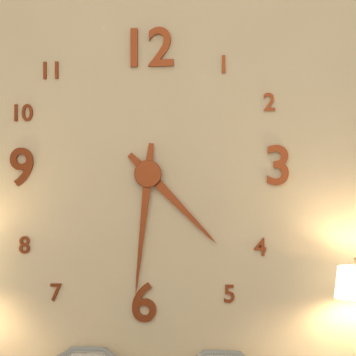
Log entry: 4:31
